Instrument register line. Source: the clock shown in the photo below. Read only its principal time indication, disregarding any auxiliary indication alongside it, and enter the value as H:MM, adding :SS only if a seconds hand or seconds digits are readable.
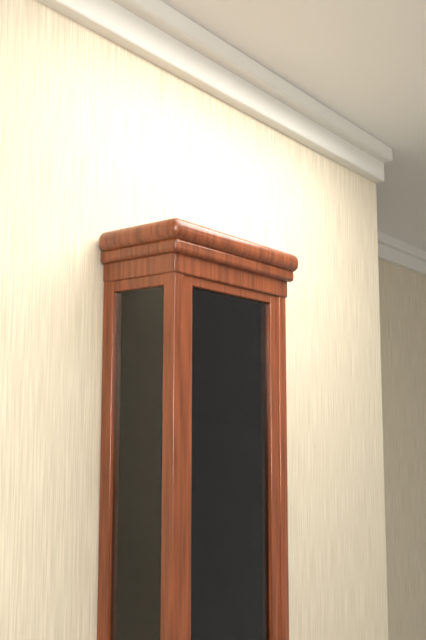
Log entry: 11:36
